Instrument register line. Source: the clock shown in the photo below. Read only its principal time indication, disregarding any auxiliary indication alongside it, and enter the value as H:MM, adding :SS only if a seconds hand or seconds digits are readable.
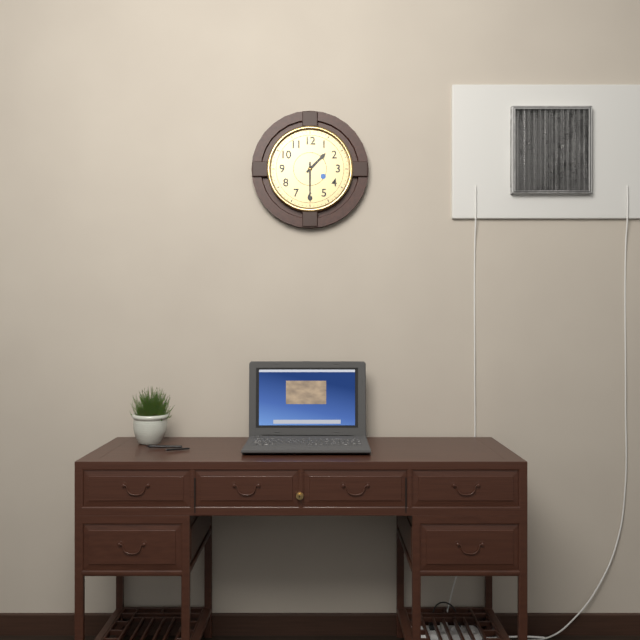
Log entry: 1:30
